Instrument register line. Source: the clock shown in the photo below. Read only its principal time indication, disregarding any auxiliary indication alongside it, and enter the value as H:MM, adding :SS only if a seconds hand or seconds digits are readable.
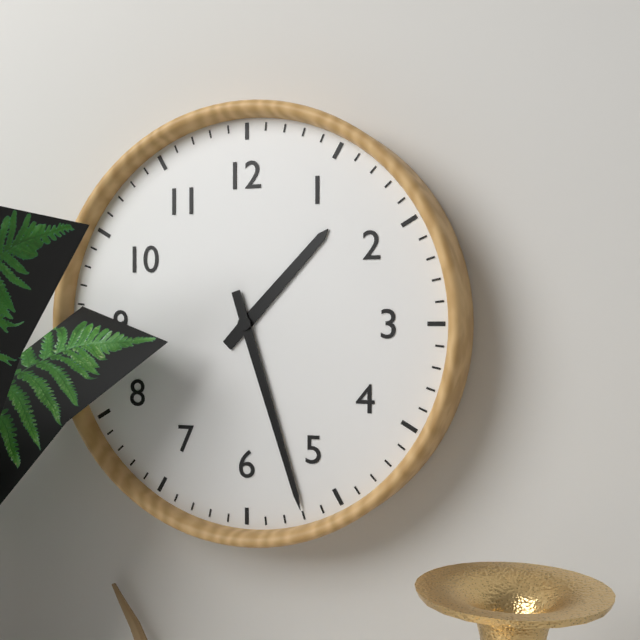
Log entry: 1:27
